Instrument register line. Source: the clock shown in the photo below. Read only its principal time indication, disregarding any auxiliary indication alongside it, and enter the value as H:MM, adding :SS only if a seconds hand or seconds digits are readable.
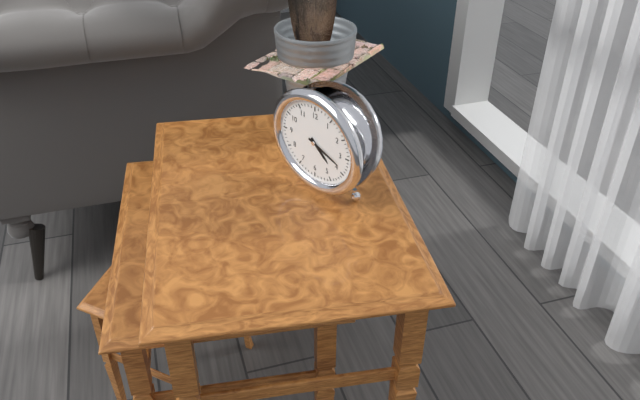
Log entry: 4:18
